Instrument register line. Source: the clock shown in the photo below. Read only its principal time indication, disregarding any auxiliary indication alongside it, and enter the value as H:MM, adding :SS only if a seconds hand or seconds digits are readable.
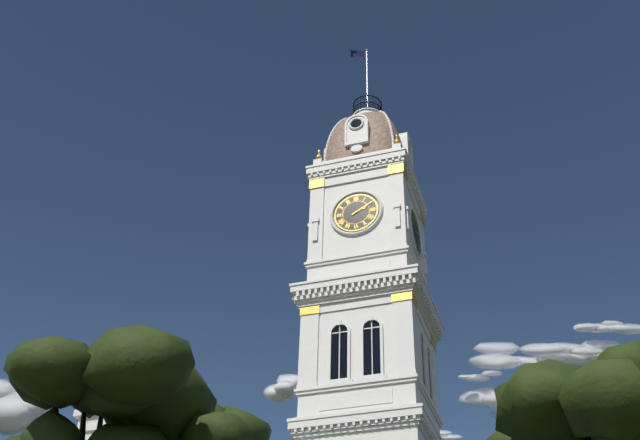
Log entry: 2:10
